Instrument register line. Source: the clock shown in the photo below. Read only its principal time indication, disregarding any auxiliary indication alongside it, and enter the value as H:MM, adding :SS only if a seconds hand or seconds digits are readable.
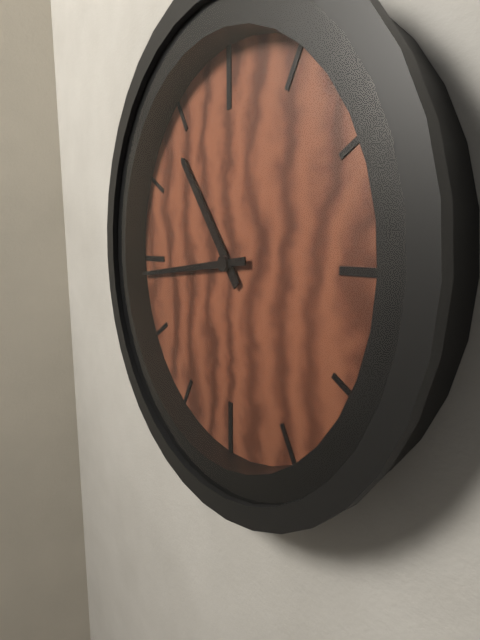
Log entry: 10:44
